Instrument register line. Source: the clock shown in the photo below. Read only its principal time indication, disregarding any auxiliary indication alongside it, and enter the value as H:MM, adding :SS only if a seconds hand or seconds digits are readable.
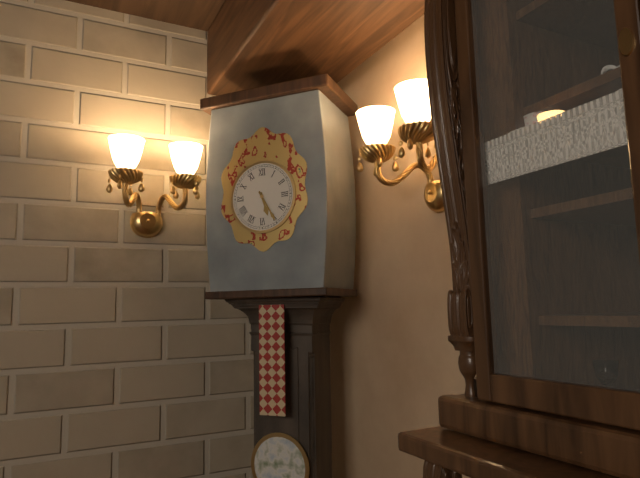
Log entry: 5:25
